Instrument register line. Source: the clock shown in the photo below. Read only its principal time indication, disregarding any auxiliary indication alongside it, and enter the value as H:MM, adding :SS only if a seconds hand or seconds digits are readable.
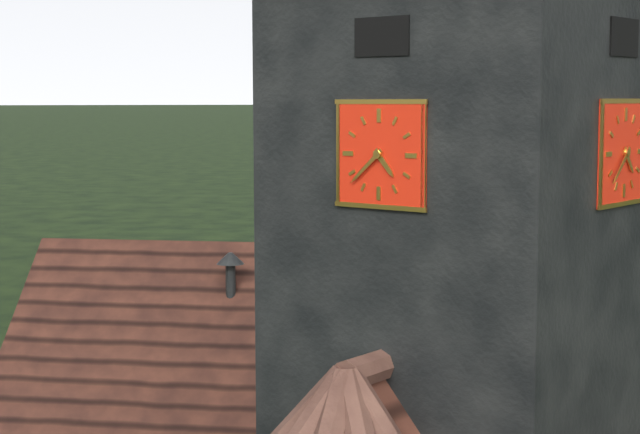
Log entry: 4:38
